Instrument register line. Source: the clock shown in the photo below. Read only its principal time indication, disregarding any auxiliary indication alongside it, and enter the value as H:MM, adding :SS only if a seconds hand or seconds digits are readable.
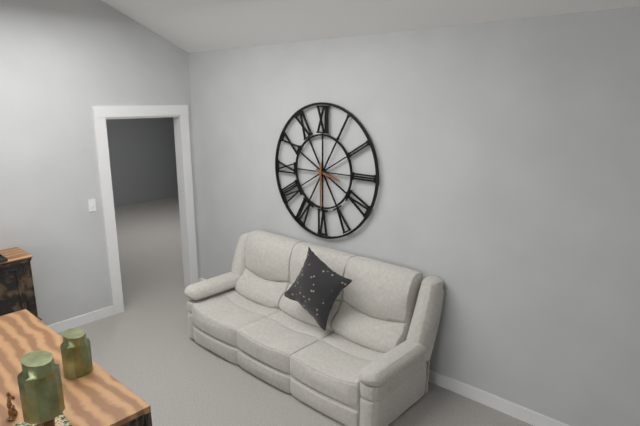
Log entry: 3:30
